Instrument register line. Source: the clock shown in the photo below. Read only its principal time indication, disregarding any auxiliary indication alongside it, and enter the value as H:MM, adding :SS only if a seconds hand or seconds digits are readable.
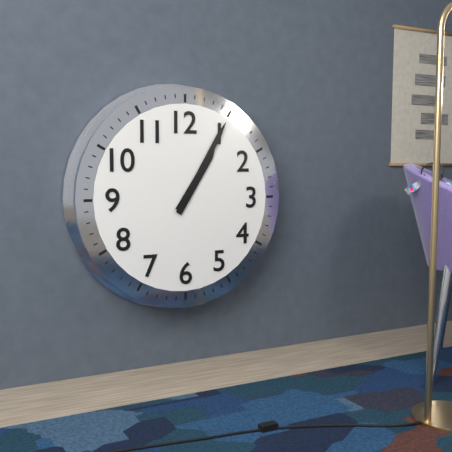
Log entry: 1:05
